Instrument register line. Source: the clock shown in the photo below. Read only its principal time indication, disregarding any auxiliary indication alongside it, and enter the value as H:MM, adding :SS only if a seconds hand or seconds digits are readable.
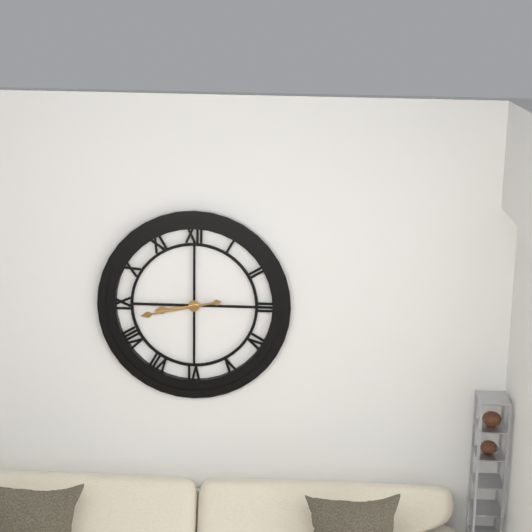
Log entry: 8:43
